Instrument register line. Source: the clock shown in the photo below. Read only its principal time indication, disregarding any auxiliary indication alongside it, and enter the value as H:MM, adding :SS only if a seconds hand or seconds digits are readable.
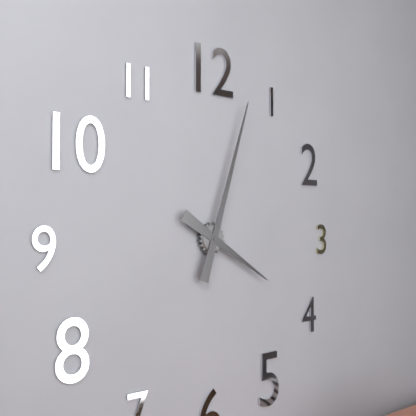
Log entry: 4:03
